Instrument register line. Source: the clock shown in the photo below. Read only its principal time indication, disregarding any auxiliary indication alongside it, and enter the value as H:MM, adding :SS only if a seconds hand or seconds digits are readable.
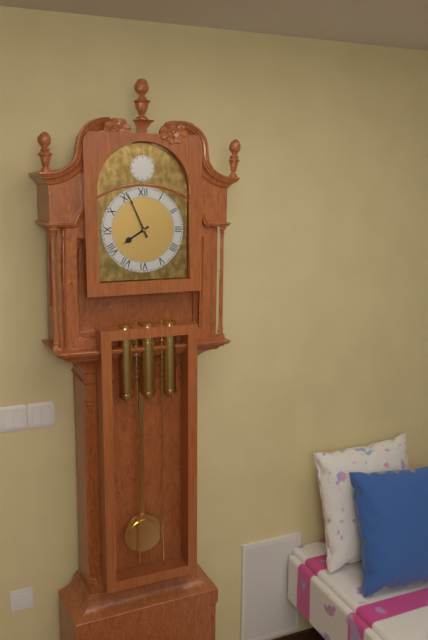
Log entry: 7:56
